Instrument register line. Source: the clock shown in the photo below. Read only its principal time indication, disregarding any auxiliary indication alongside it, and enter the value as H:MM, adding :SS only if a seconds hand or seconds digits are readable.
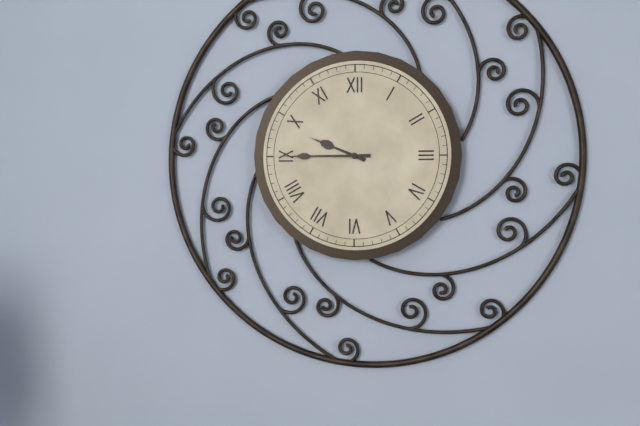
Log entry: 9:45
